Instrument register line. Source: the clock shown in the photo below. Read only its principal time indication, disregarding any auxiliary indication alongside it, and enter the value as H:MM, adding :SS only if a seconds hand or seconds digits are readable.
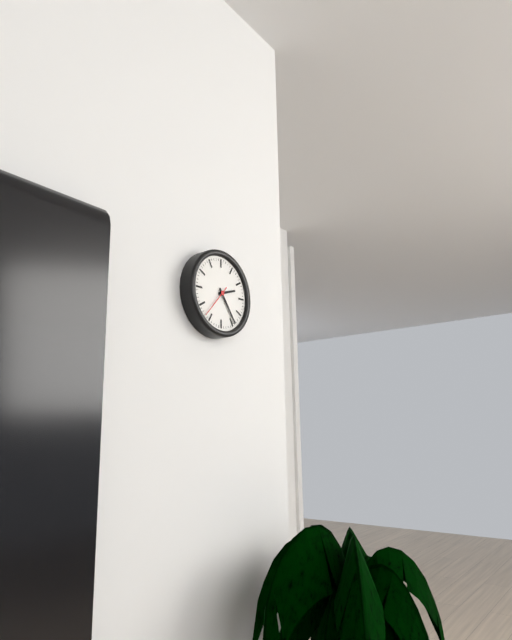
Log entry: 2:24
